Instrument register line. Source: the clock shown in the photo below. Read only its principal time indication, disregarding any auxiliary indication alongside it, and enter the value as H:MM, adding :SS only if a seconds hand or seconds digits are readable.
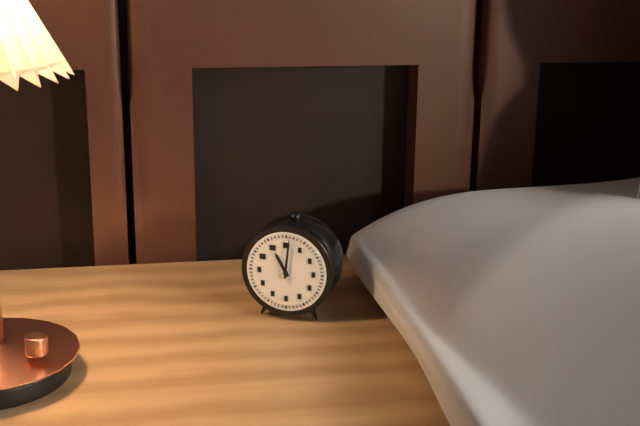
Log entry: 11:01
